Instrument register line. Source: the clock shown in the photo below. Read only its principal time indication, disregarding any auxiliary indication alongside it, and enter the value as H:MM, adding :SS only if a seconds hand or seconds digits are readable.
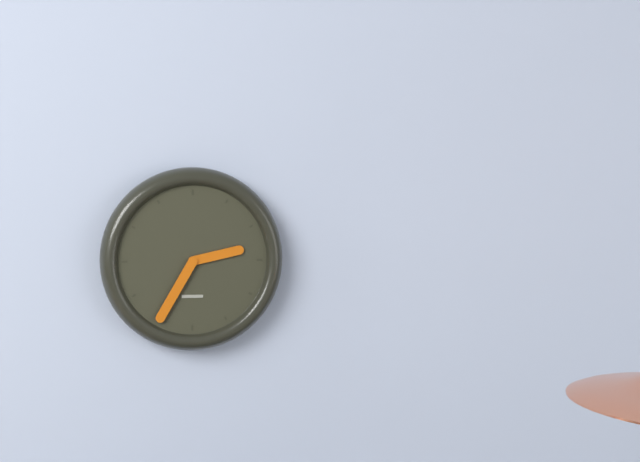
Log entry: 2:35
